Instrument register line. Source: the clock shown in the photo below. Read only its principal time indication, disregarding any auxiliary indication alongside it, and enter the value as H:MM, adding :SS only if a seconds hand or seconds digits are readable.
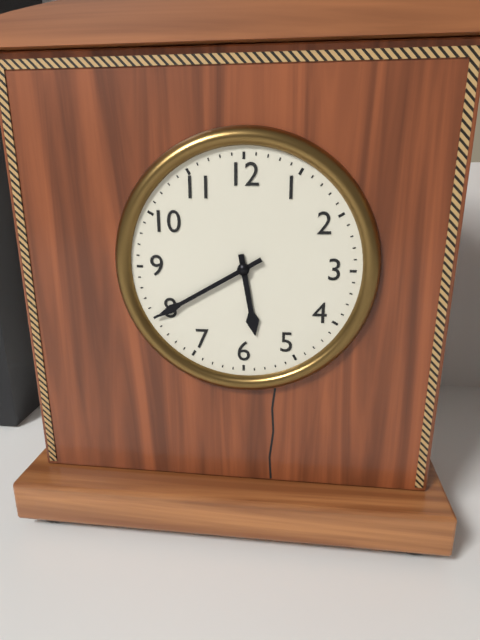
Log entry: 5:40
